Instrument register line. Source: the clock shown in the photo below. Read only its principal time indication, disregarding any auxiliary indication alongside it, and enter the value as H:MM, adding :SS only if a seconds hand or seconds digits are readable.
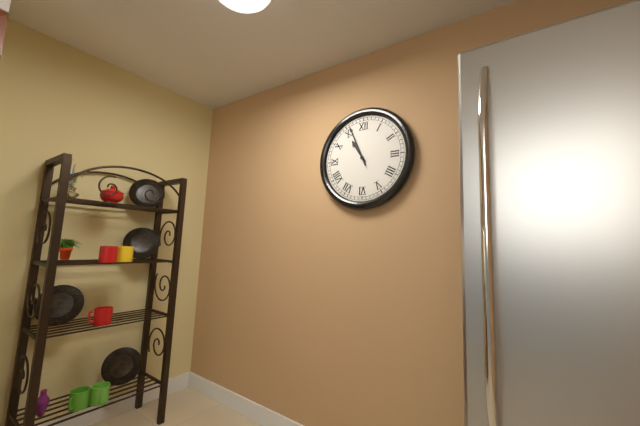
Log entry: 10:56
